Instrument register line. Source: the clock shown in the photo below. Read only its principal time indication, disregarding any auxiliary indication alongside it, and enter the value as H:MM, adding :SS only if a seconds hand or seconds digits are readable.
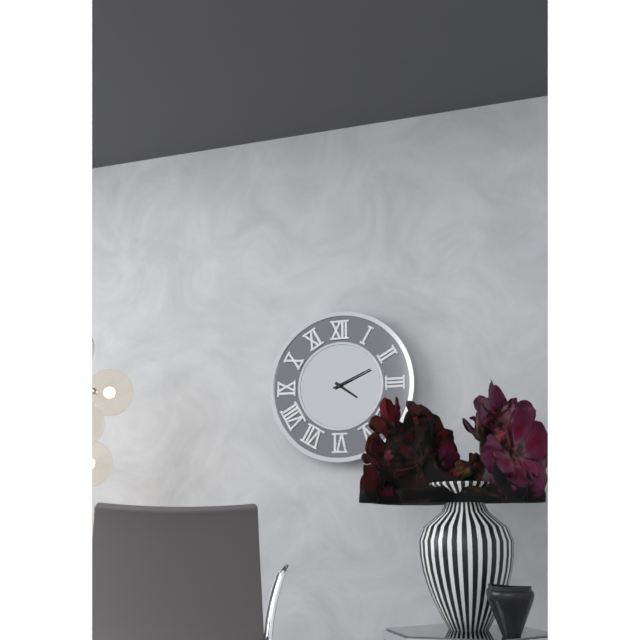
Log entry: 4:11
